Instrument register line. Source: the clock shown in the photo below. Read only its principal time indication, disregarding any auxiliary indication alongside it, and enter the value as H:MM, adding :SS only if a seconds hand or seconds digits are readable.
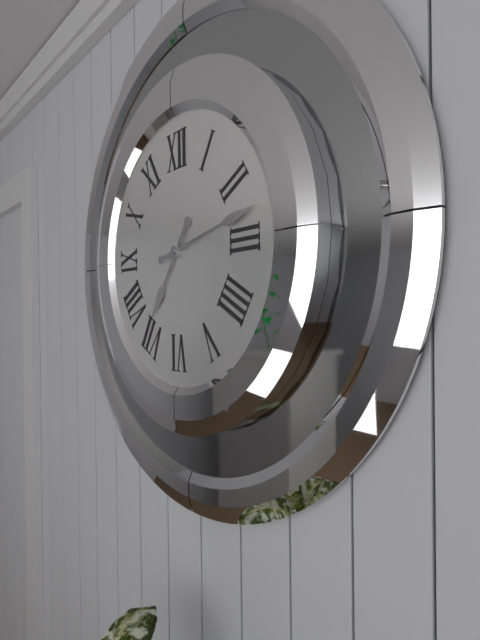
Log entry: 7:13
